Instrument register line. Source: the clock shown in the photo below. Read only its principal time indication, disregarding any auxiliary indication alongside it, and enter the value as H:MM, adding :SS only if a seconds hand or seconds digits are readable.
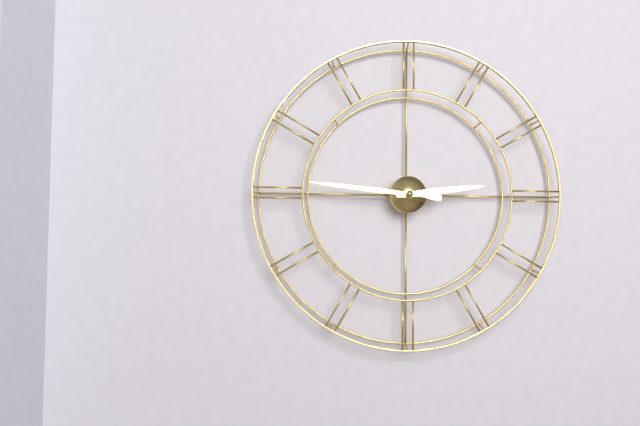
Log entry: 2:46
